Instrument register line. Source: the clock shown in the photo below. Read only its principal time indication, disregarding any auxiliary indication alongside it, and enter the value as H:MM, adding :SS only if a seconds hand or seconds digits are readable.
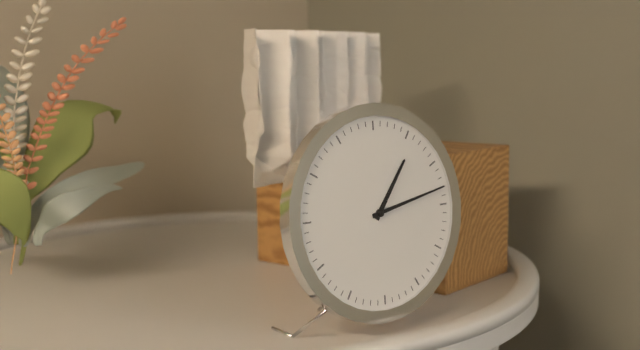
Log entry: 1:13
